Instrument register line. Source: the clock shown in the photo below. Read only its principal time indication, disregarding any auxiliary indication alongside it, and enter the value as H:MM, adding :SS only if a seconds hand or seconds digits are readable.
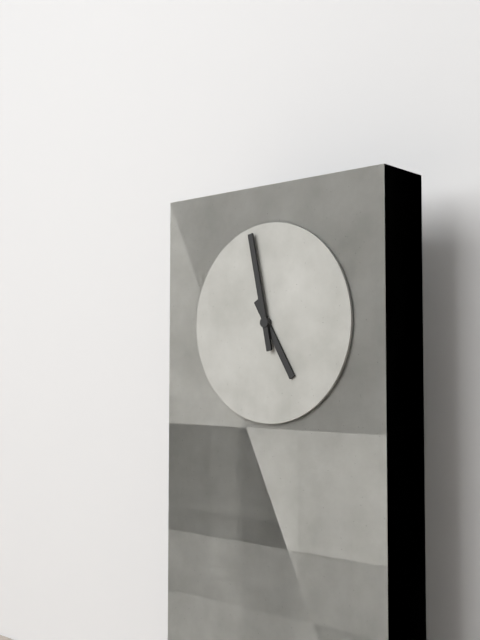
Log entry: 4:58
